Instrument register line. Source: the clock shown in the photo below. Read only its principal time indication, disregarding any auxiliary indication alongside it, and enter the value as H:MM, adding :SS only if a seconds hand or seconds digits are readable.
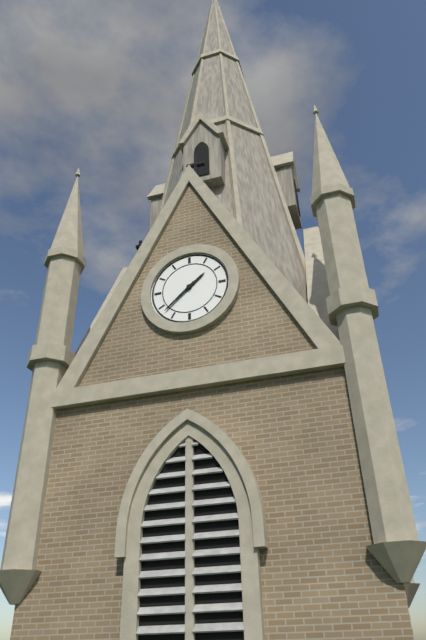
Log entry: 1:38
